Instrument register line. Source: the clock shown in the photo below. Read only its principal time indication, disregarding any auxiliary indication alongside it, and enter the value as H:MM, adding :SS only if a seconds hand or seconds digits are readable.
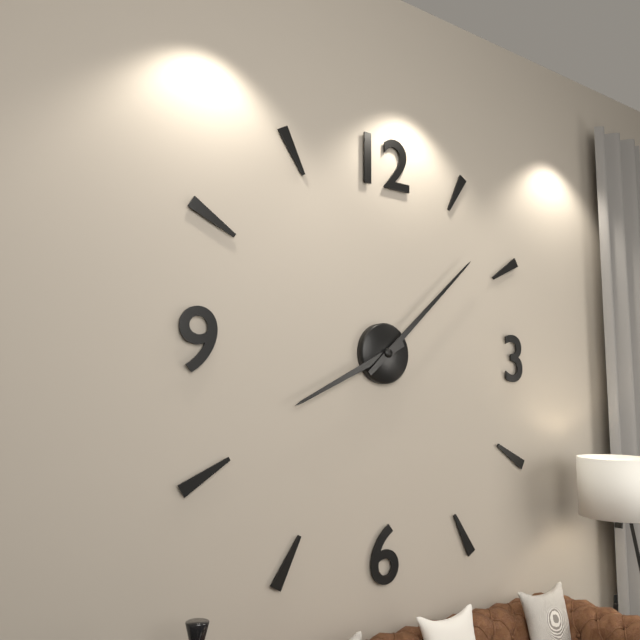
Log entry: 8:08
